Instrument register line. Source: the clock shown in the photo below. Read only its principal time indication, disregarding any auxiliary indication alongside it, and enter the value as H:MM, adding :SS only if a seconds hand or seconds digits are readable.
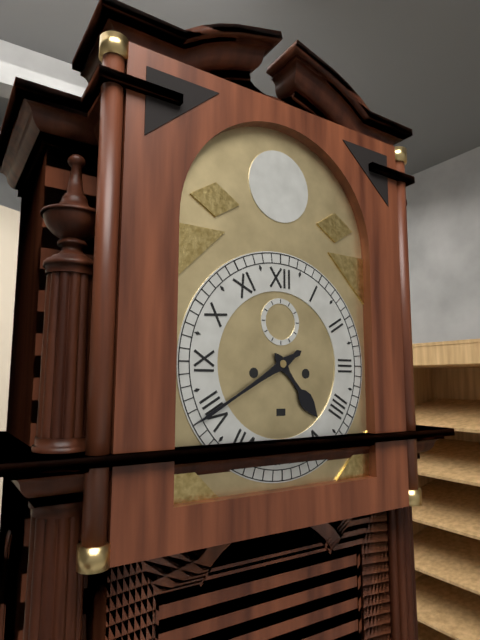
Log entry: 4:40
